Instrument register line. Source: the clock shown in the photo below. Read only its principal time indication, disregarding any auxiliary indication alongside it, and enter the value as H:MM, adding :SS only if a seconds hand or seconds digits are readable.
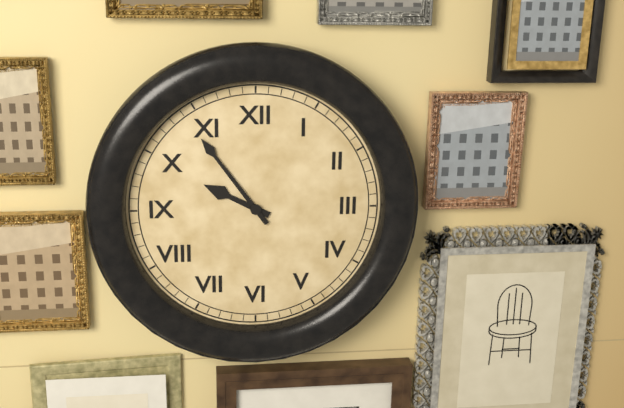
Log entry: 9:54
